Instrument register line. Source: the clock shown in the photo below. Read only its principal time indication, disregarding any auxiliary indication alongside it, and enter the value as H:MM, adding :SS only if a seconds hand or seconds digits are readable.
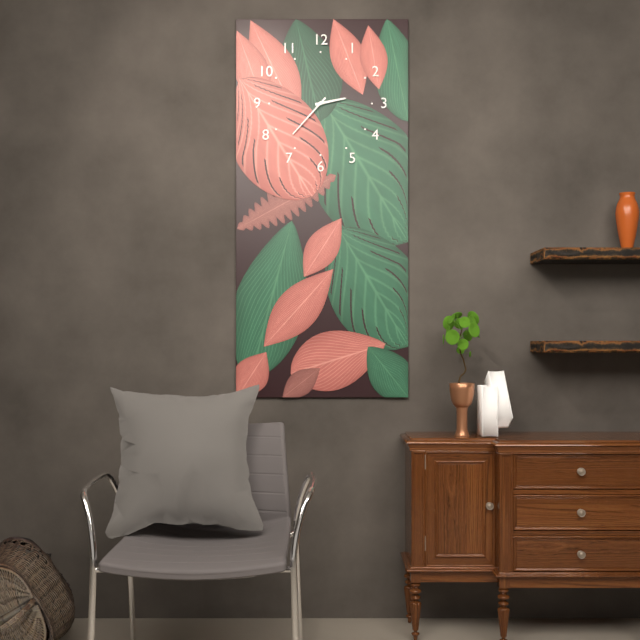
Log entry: 2:37
